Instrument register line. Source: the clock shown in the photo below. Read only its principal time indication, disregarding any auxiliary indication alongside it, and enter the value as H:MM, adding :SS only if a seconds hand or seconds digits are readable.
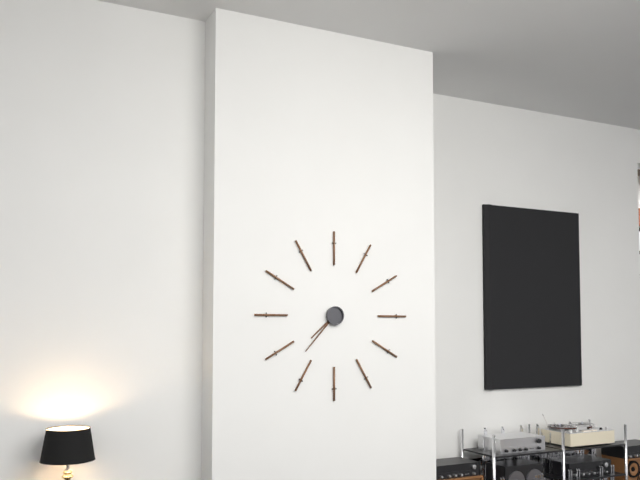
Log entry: 7:37
